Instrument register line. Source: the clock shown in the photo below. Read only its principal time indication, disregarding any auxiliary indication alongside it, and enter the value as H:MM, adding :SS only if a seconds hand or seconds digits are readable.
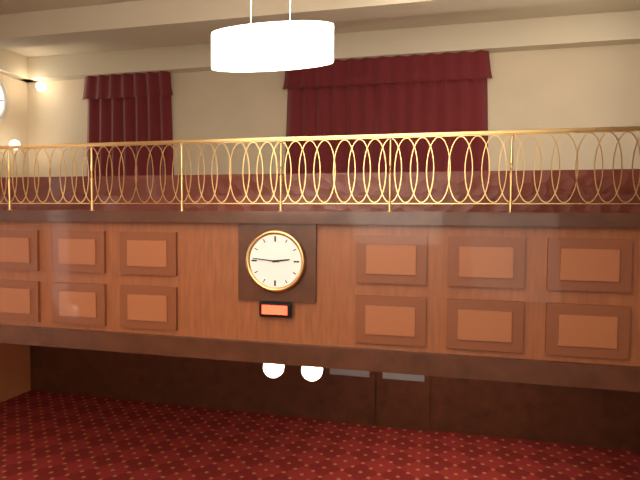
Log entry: 2:46
